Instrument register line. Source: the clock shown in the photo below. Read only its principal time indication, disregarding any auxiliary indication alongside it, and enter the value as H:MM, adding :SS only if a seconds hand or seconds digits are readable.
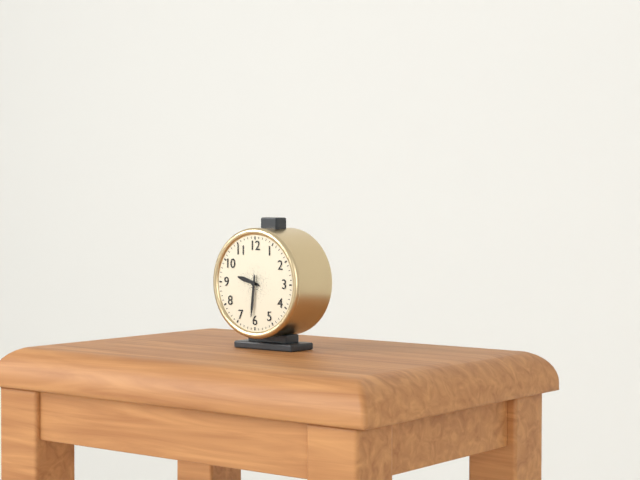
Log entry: 9:31
